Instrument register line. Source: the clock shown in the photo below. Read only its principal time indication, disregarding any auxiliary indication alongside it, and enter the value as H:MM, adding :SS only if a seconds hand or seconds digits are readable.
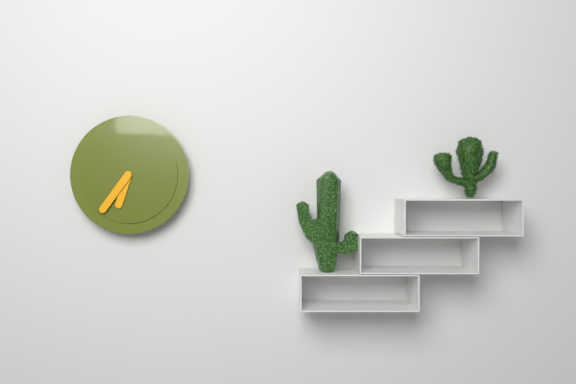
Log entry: 6:36
